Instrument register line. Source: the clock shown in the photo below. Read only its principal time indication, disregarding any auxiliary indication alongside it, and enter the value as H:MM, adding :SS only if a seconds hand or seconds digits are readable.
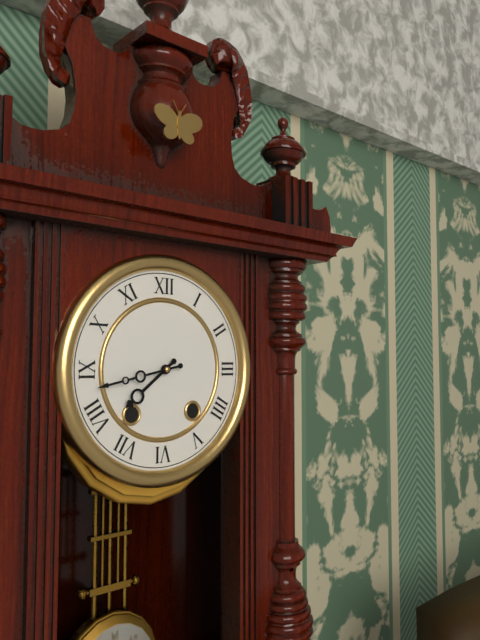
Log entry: 7:43
